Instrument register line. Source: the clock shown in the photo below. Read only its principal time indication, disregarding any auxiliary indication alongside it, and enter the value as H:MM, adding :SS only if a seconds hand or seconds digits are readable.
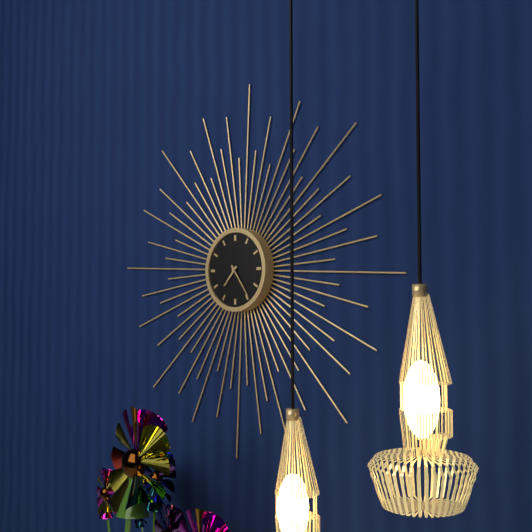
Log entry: 7:24
